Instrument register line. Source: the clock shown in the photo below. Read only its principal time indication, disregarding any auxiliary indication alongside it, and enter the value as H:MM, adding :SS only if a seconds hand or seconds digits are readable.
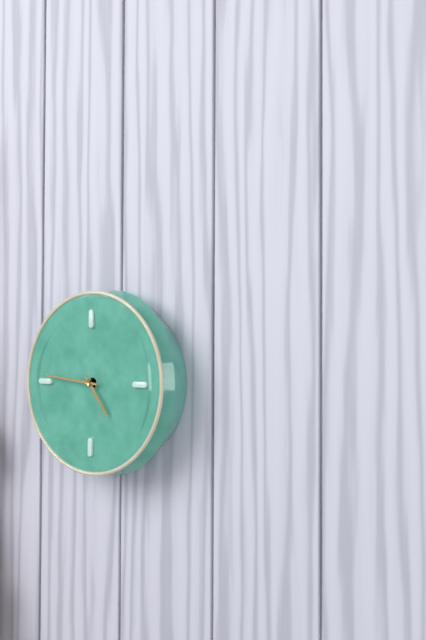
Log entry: 4:46
